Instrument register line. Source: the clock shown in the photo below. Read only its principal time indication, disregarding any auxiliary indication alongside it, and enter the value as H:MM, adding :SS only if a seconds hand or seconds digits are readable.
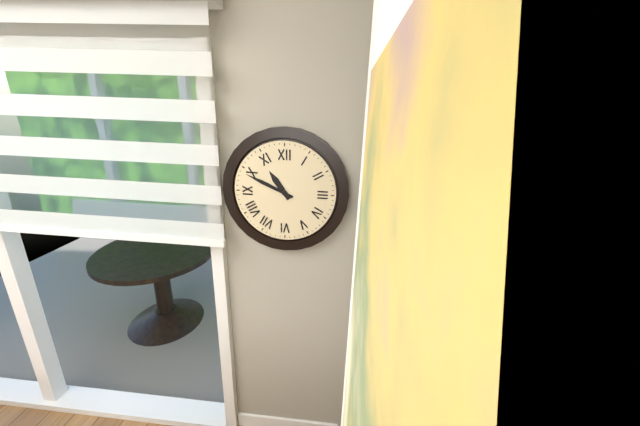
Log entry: 10:49
